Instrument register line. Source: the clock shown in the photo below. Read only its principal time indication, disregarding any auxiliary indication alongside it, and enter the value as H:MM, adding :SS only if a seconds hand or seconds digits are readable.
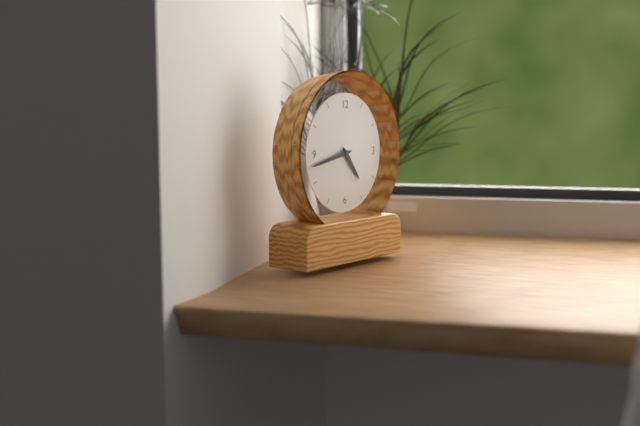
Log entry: 4:43
